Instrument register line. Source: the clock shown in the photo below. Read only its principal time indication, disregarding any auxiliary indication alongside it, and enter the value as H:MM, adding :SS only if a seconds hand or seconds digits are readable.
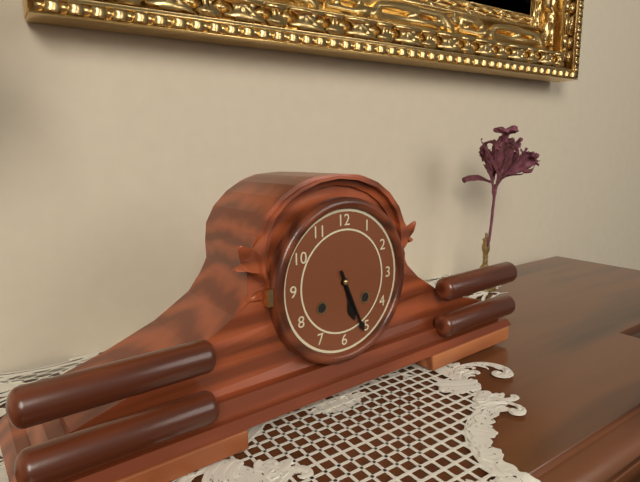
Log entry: 5:26
